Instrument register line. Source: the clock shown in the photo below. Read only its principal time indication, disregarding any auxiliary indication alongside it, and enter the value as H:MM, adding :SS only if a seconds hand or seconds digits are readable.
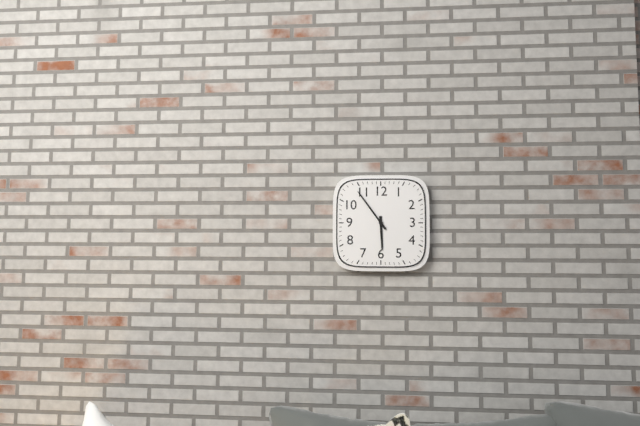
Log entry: 5:54
